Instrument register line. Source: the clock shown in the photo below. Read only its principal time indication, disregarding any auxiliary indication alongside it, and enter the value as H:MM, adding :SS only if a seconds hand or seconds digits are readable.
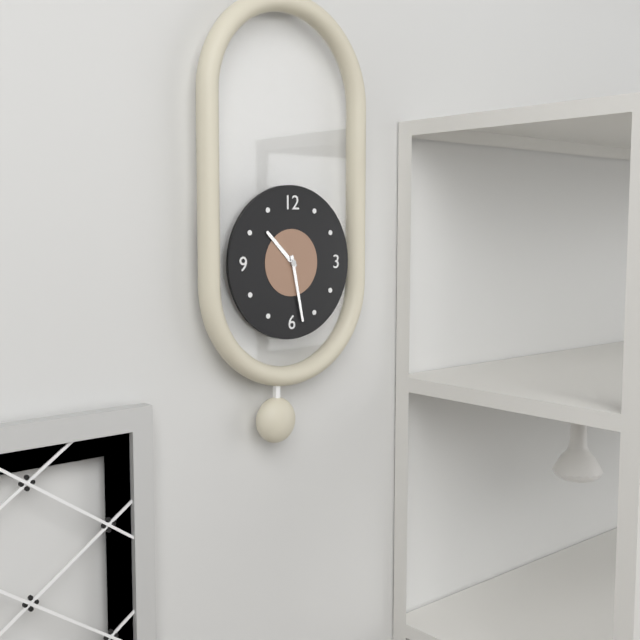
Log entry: 10:28
